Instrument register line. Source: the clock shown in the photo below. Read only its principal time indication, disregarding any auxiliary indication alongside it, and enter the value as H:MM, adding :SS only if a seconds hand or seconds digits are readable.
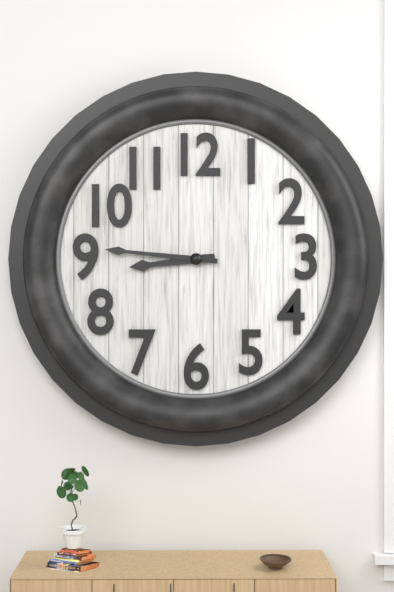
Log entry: 8:46
